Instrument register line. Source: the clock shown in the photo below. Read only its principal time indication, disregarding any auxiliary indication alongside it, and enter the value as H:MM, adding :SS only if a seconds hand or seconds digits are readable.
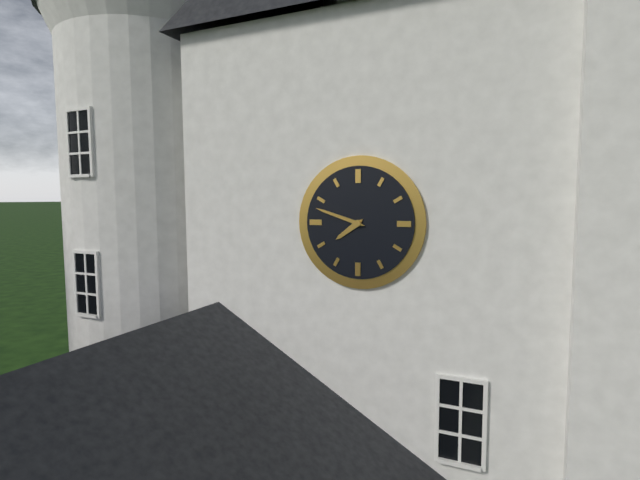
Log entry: 7:48
